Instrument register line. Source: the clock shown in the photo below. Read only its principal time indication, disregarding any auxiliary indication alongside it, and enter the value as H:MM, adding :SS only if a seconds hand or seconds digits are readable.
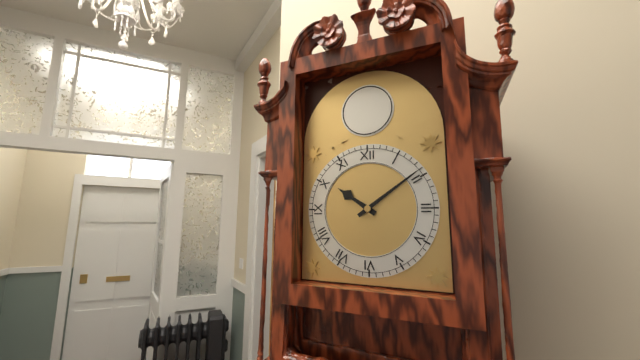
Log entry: 10:09
